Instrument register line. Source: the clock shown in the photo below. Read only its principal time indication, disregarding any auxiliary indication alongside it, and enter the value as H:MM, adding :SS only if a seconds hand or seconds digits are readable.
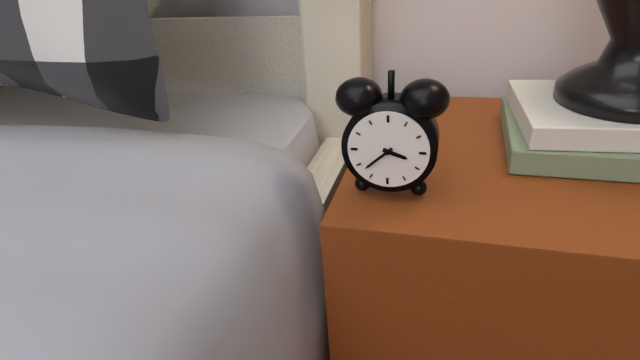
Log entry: 3:38
